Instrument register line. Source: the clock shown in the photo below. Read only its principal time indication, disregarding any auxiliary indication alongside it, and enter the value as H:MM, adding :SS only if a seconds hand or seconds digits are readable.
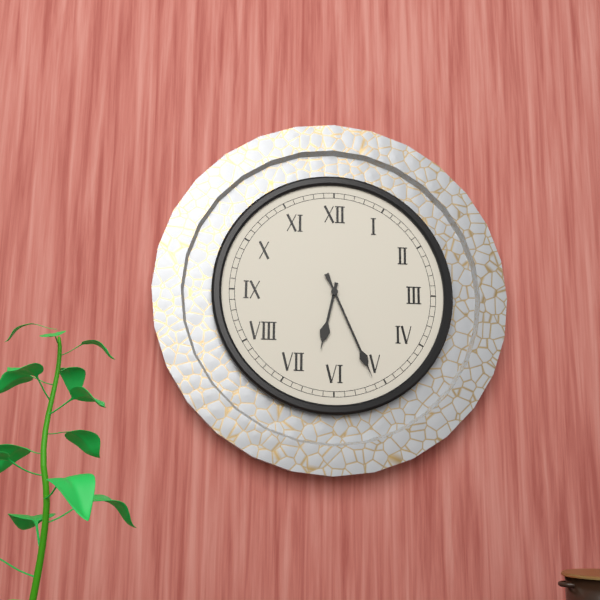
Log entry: 6:26
